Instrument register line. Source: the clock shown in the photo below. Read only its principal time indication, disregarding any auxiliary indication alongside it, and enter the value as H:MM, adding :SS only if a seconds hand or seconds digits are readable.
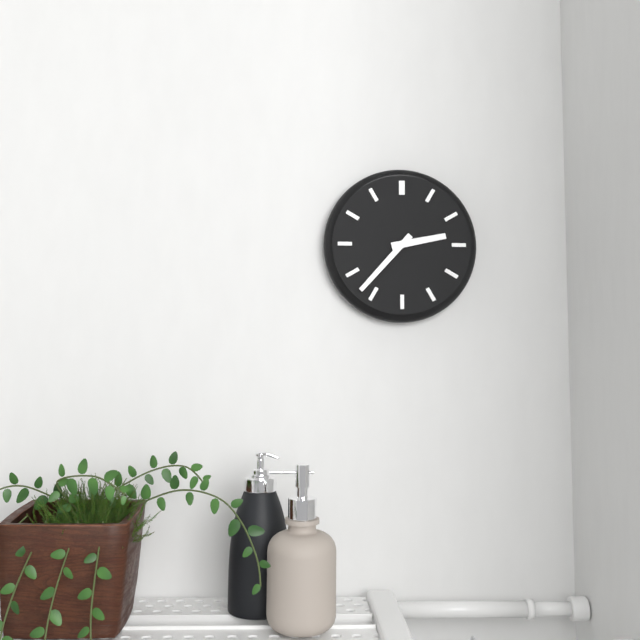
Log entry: 2:37
